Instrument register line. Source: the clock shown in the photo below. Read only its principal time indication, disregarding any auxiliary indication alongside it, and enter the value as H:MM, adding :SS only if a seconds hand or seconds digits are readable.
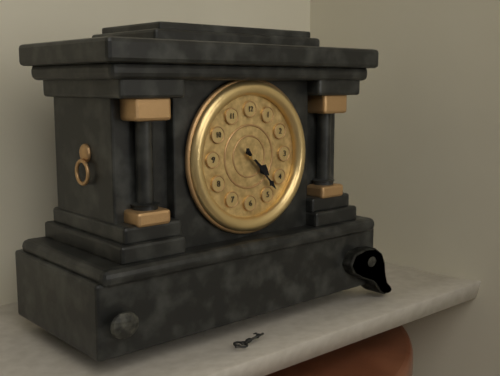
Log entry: 4:23
